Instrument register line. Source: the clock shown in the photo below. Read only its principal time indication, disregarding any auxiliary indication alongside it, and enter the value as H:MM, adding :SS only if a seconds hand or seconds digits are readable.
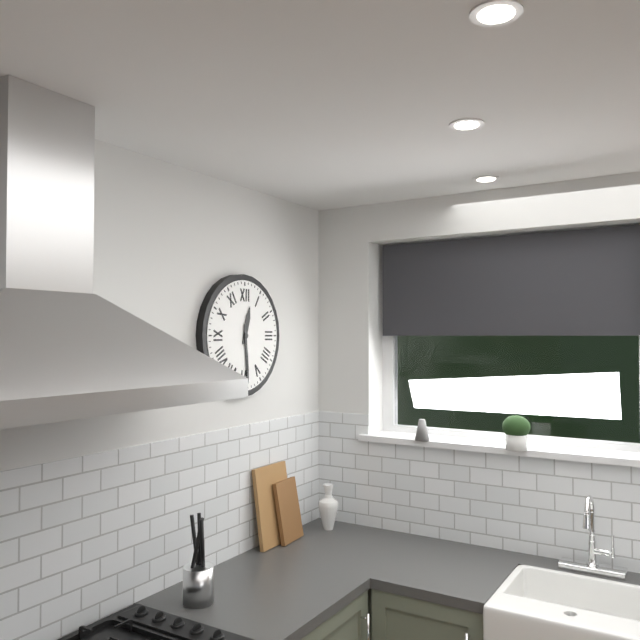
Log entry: 12:29
